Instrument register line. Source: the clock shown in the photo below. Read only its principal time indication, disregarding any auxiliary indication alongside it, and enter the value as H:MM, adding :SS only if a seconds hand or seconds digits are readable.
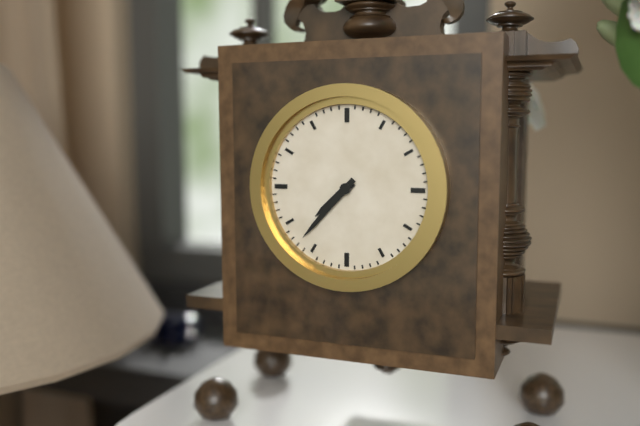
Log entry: 7:37
